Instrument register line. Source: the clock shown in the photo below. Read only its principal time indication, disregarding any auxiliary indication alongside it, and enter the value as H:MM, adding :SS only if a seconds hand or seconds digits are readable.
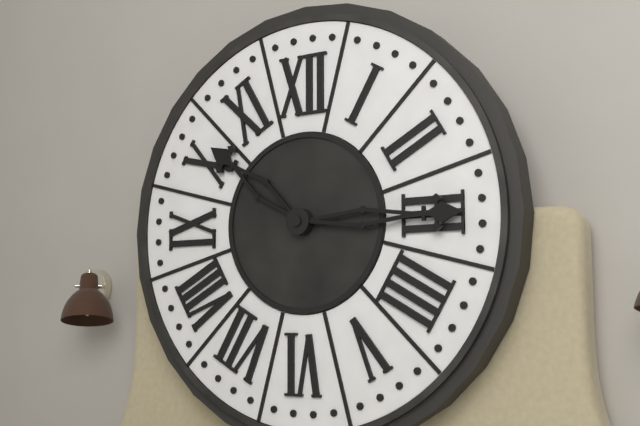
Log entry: 10:15
